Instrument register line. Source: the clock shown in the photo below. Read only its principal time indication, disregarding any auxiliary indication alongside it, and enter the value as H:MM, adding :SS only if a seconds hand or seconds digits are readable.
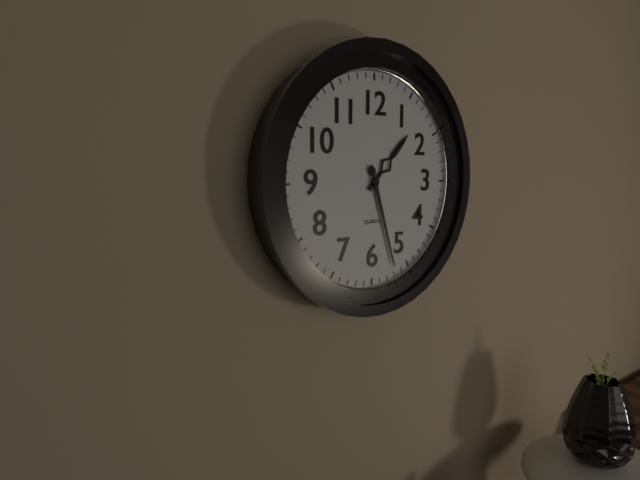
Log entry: 1:27
